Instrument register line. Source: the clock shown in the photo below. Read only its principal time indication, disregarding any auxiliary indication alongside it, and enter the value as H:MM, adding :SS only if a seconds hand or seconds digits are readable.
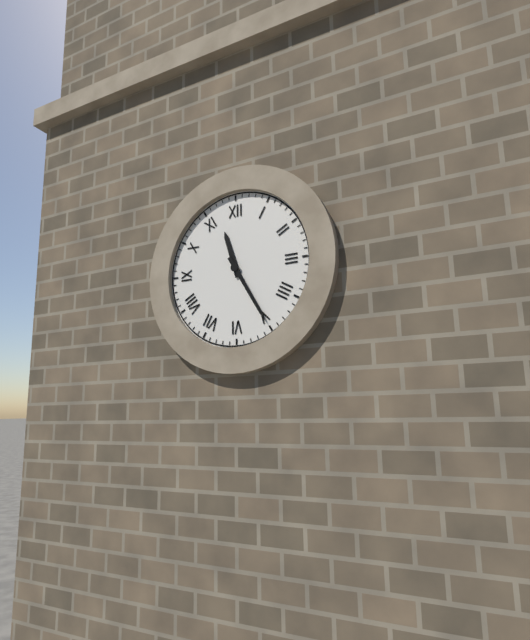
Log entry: 11:25
